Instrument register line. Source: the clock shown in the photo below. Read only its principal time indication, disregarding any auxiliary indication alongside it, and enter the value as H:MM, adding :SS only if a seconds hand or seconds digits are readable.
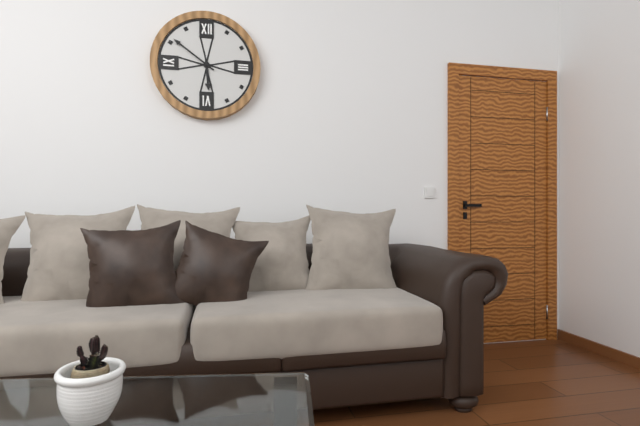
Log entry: 5:51
